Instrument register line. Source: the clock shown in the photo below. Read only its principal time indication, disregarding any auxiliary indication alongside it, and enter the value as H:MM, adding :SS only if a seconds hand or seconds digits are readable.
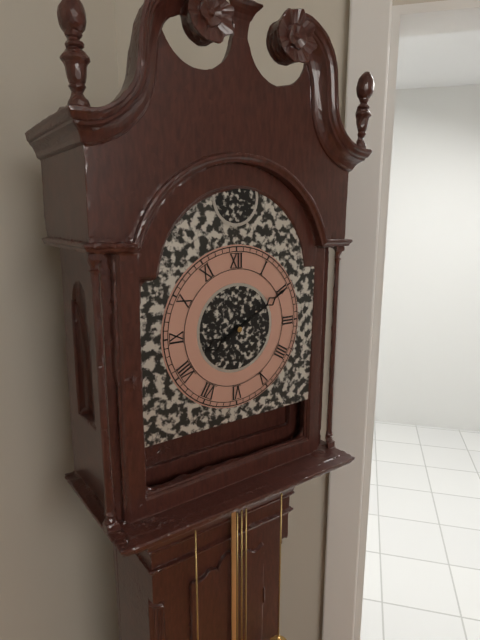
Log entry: 8:10
